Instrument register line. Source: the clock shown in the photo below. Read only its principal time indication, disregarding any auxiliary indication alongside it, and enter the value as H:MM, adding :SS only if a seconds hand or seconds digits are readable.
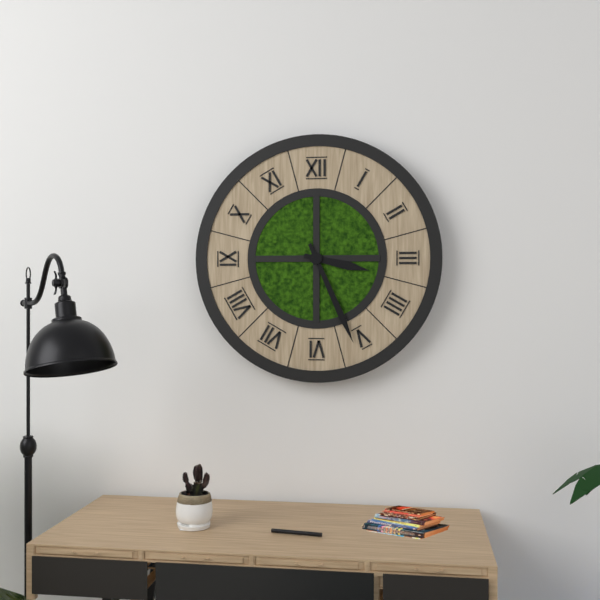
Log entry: 3:26
